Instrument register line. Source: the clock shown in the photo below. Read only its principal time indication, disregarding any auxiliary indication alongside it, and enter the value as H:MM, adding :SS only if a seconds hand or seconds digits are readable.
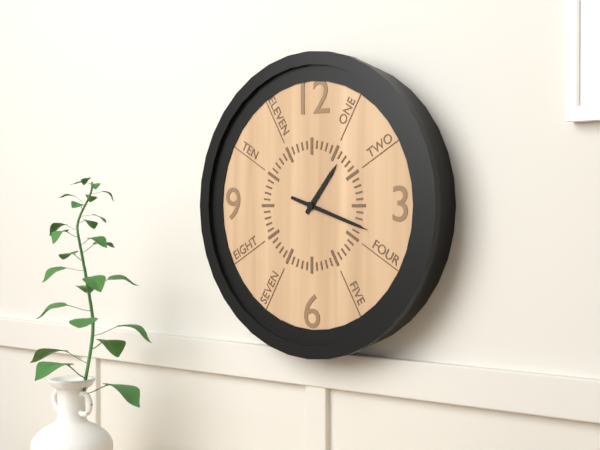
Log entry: 1:18
